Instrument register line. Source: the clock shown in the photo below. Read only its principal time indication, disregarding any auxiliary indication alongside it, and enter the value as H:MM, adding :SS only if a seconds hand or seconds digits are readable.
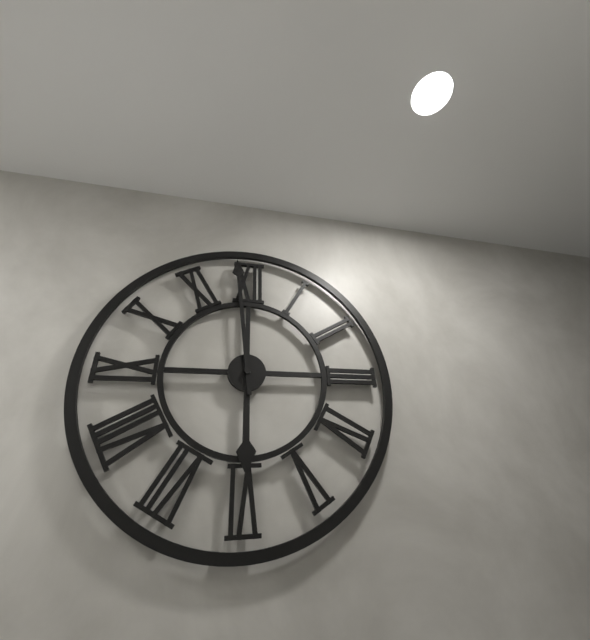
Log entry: 5:59
